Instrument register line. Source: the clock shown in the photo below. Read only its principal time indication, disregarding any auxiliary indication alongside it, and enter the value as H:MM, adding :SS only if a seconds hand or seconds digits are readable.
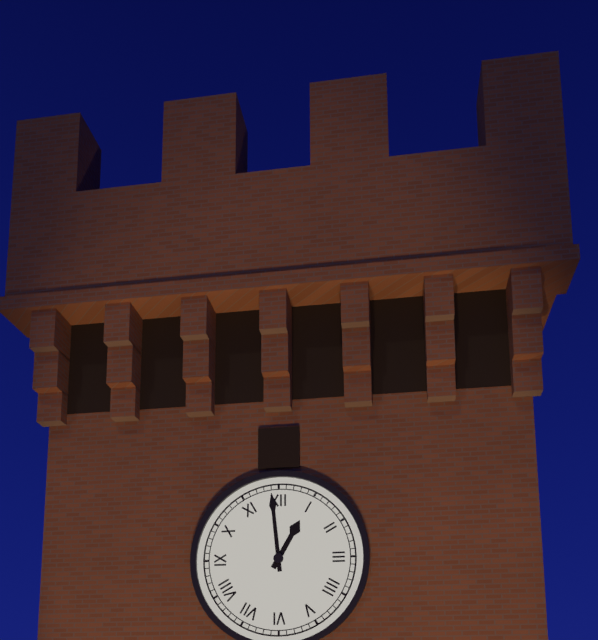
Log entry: 12:59
